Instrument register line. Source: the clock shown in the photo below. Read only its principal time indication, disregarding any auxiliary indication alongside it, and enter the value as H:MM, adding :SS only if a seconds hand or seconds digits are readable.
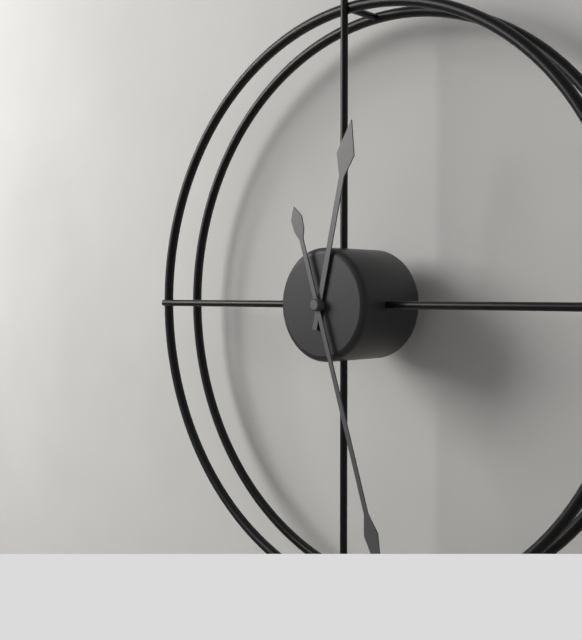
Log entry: 12:27
